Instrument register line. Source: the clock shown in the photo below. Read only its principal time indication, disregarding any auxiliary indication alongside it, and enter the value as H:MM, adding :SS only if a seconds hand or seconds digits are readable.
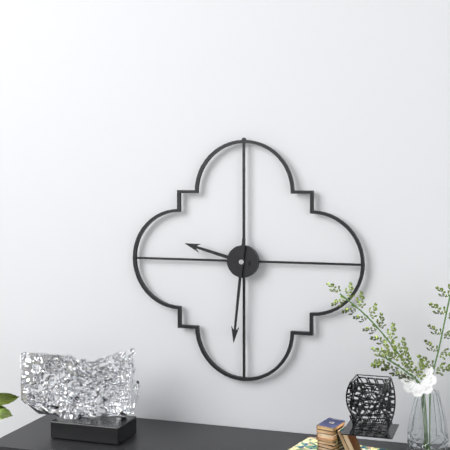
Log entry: 9:31
